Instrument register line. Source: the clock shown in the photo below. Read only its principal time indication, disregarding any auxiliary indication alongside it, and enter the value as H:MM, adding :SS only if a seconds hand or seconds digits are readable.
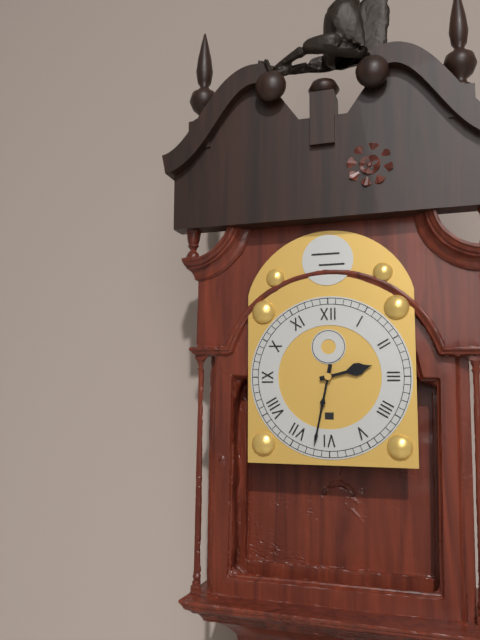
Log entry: 2:32
